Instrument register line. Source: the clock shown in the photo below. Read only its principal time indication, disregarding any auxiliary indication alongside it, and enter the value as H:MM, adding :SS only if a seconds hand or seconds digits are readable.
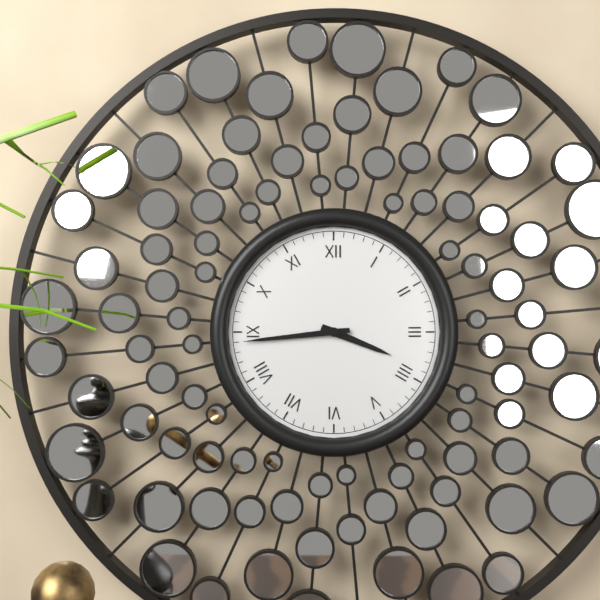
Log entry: 3:44
